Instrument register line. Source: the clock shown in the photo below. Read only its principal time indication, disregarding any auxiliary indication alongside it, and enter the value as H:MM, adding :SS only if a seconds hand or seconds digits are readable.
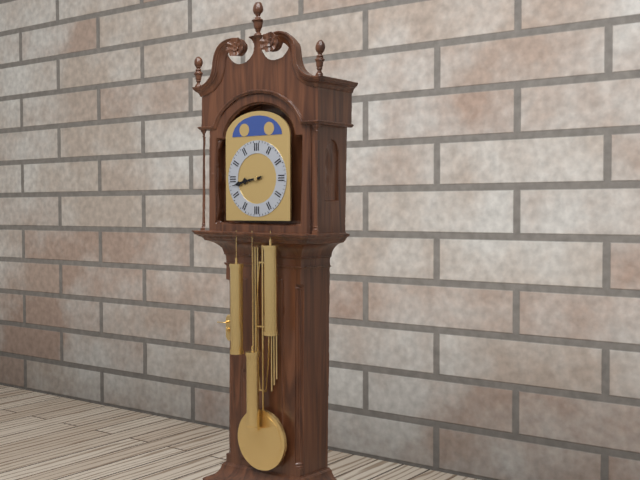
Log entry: 8:43
